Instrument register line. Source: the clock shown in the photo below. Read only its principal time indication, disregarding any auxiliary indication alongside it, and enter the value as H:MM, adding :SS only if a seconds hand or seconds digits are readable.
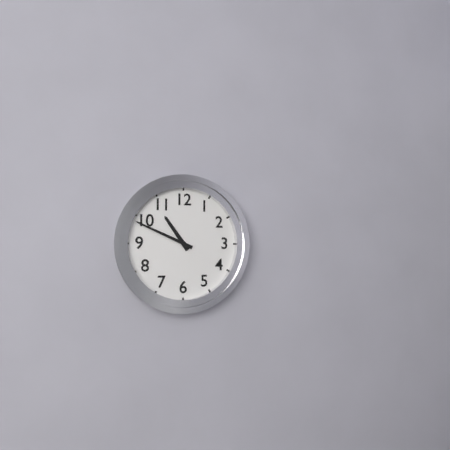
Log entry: 10:49
